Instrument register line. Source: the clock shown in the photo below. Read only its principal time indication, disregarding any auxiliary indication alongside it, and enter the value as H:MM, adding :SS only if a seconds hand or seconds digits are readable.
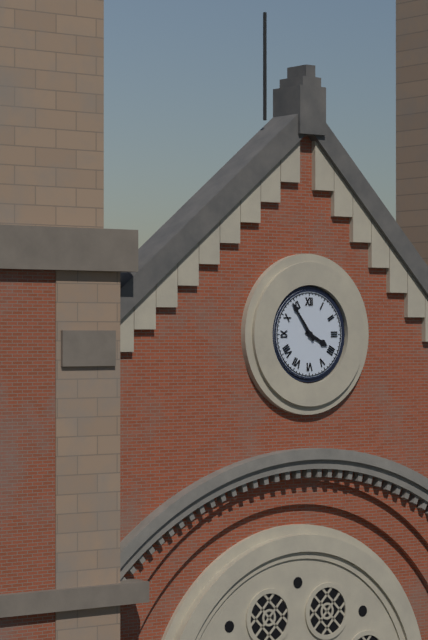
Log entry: 3:54
